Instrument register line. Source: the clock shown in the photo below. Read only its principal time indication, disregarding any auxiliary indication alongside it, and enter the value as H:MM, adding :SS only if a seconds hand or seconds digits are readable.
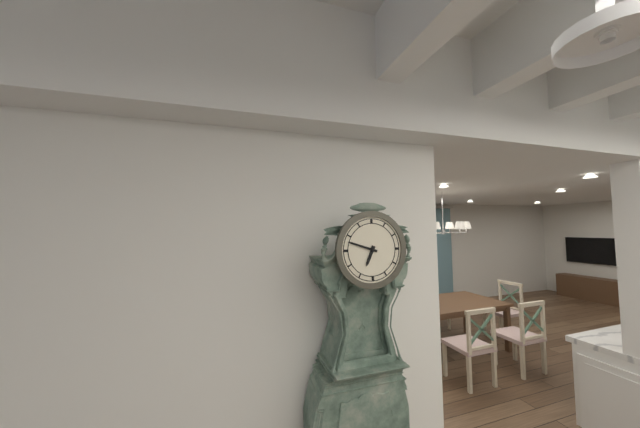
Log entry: 6:48
